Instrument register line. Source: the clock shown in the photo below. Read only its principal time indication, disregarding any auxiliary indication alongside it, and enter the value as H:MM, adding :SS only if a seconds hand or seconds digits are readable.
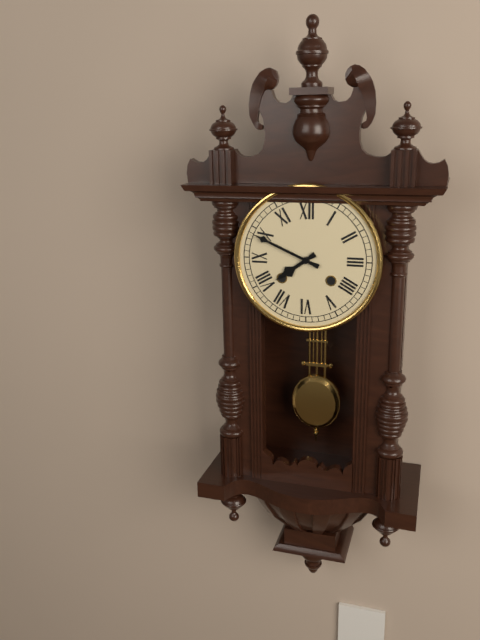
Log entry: 7:49
